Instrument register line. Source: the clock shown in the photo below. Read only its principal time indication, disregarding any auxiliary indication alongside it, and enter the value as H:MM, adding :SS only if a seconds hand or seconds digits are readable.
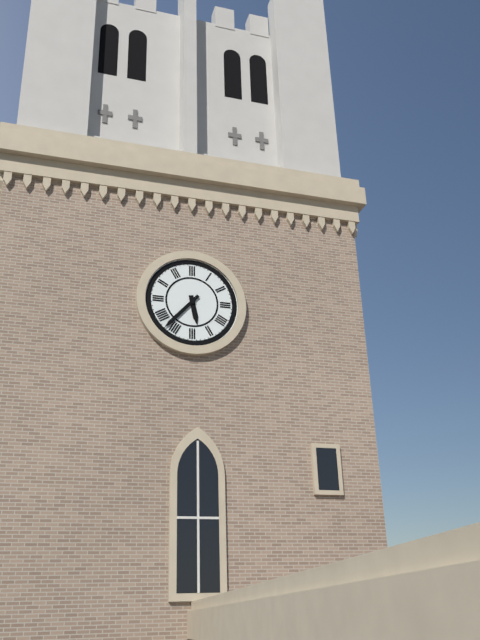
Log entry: 5:37
